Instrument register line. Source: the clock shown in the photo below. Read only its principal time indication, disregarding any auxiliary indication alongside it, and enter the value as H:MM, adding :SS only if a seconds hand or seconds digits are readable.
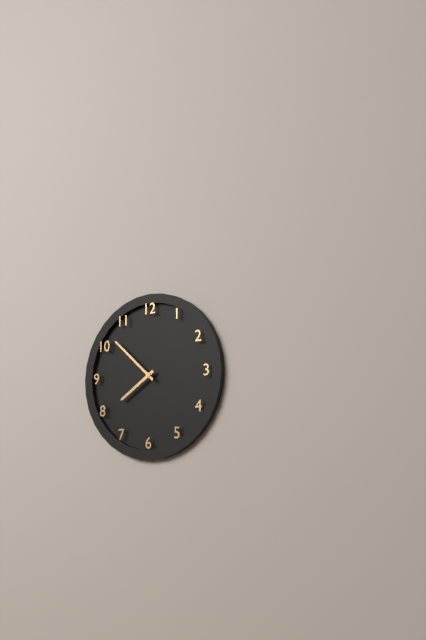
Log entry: 7:52
